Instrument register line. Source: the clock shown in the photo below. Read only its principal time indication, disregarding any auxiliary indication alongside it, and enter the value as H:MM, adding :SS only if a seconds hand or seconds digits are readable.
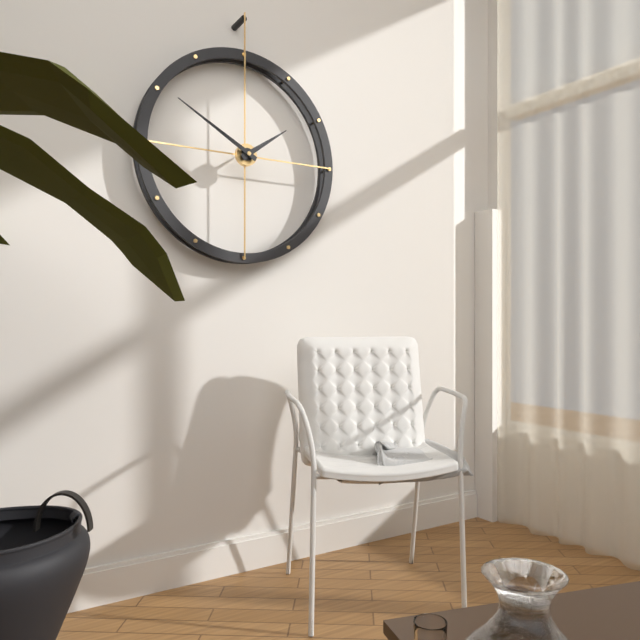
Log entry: 1:50
